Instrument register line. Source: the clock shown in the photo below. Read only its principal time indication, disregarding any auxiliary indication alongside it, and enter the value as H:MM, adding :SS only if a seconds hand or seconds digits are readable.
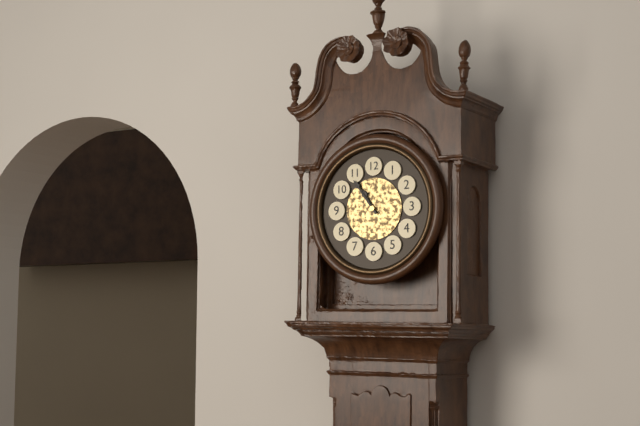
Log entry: 10:54
